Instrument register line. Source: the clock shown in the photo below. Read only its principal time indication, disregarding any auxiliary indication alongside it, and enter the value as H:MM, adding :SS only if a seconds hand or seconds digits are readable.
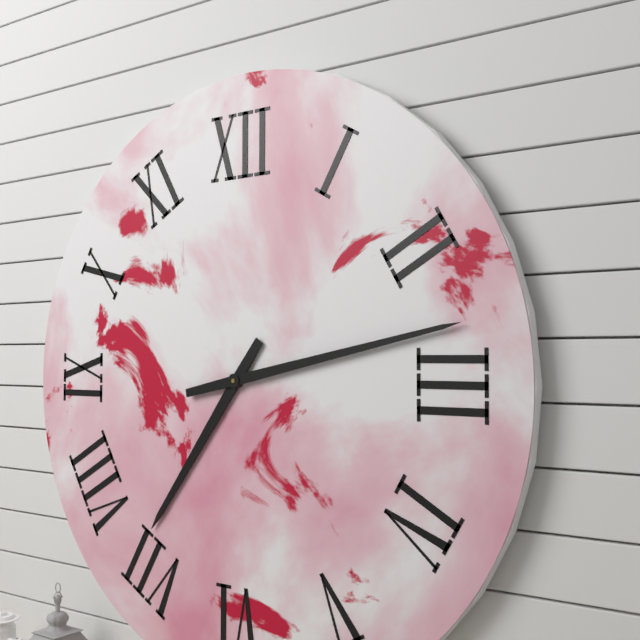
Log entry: 7:13
